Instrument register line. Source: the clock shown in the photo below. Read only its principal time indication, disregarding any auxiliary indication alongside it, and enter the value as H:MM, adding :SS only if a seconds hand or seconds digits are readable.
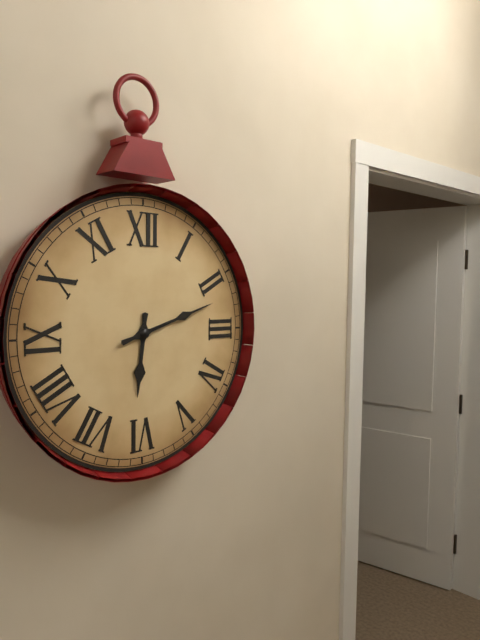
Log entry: 6:12
